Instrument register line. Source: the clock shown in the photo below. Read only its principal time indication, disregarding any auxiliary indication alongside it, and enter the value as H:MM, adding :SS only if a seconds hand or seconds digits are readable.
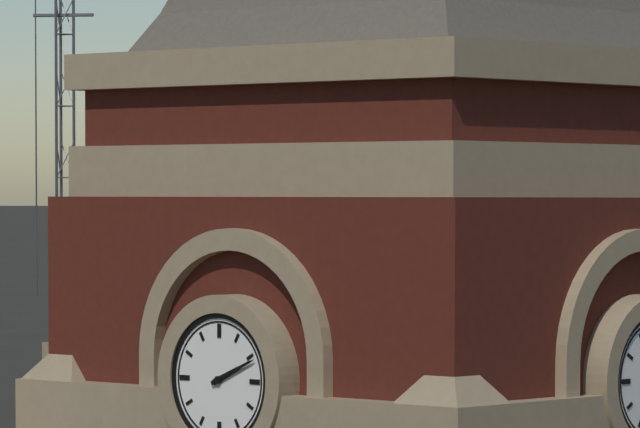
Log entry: 2:11
